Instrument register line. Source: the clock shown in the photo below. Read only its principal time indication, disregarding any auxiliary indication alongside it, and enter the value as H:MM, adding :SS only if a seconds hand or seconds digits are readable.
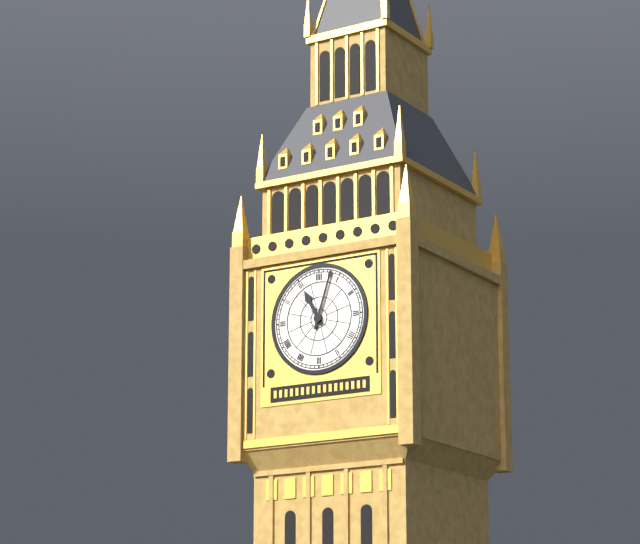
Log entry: 11:03
